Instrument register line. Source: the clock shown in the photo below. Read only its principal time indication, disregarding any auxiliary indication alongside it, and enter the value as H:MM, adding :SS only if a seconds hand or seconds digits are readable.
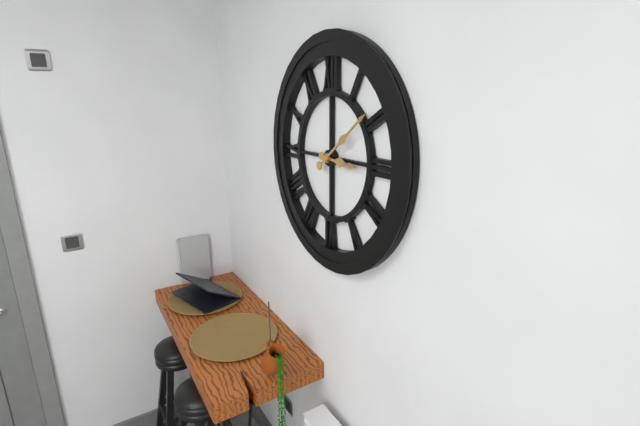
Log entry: 3:09
